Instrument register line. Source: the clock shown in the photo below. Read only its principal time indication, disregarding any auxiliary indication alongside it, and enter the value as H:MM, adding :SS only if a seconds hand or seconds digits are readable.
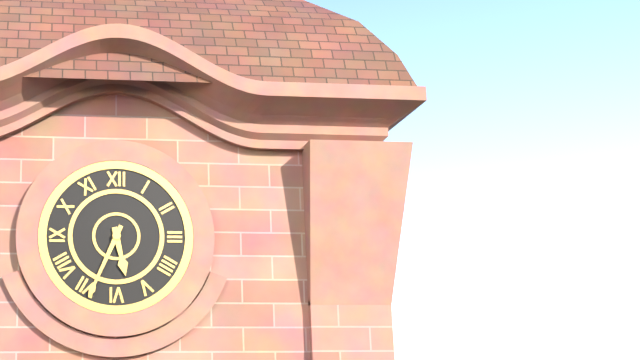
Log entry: 5:34
